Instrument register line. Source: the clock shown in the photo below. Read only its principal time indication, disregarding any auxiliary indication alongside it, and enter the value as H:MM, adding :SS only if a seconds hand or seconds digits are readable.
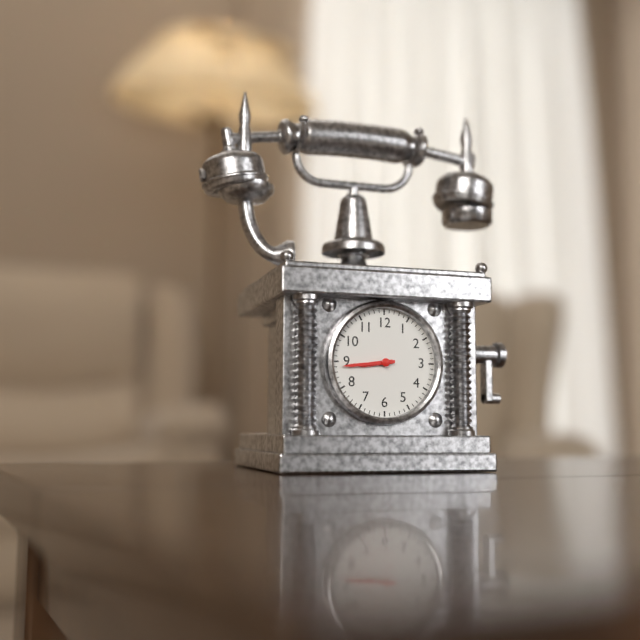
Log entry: 8:44
